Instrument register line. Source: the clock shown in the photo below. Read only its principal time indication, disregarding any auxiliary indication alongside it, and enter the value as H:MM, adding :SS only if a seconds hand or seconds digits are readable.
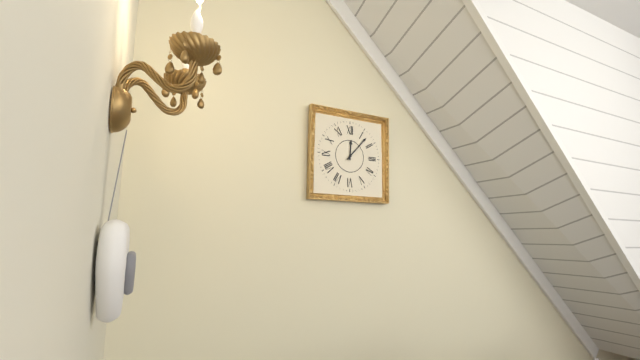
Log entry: 12:07
